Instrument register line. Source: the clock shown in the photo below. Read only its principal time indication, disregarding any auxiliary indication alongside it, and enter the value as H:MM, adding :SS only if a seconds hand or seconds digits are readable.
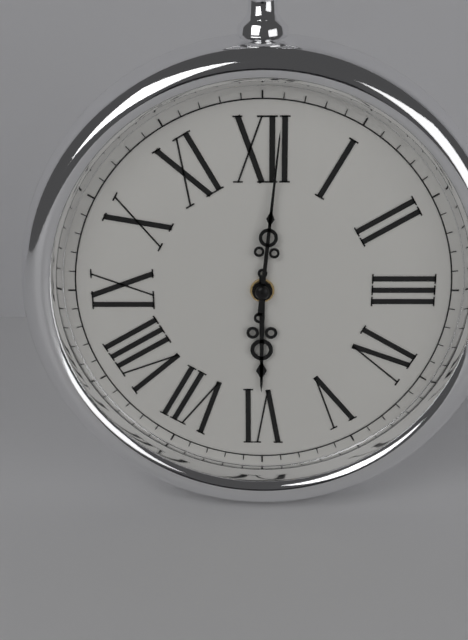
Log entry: 6:01
